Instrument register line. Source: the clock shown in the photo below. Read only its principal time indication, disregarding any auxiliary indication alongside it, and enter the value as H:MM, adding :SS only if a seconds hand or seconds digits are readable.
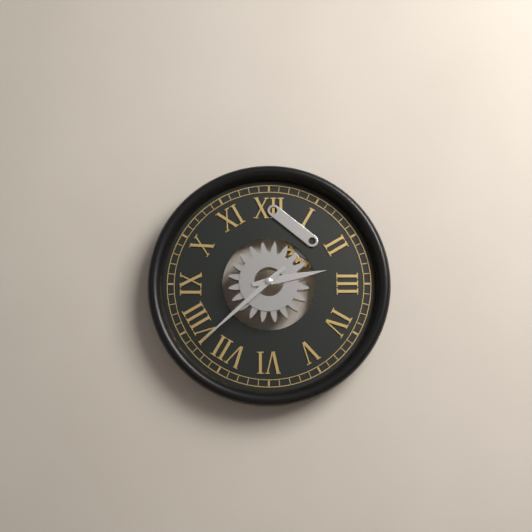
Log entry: 2:38
